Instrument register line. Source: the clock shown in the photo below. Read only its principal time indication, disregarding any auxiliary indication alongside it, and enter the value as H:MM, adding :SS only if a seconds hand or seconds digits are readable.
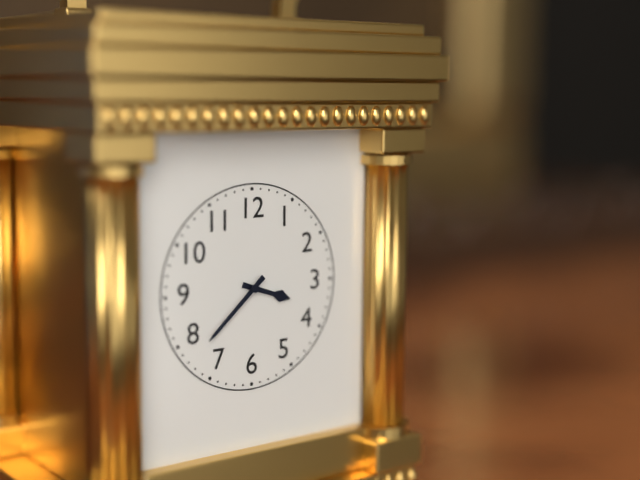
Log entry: 3:38
